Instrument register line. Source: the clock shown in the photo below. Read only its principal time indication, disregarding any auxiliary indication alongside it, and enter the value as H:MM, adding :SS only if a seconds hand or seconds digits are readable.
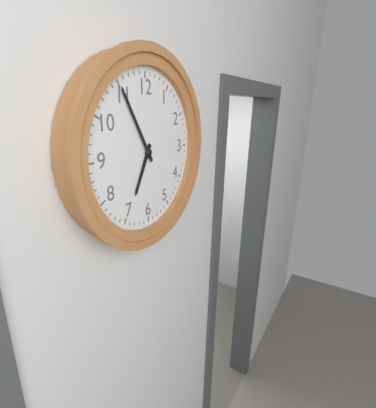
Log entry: 6:55
